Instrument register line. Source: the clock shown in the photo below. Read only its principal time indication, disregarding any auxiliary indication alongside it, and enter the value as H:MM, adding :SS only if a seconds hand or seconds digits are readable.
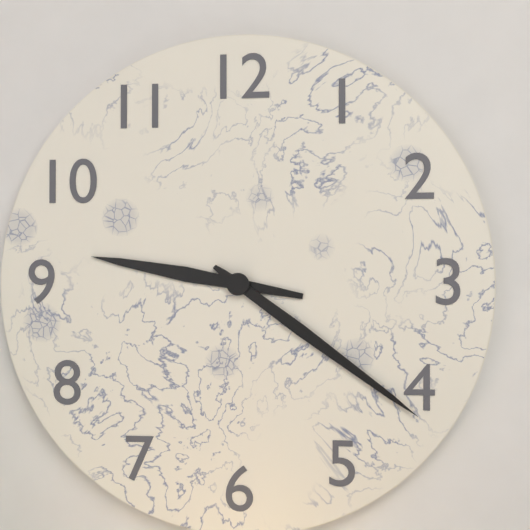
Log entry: 9:21
